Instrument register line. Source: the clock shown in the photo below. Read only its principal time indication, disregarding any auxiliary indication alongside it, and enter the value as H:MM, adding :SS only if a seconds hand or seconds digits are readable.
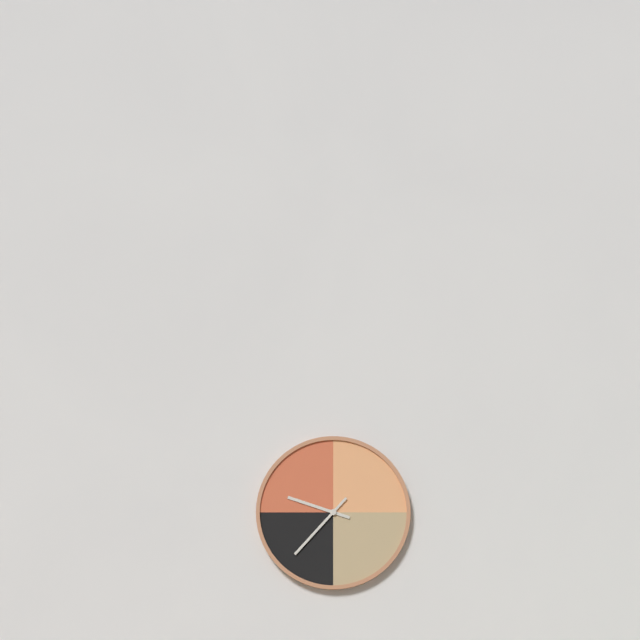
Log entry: 9:37
